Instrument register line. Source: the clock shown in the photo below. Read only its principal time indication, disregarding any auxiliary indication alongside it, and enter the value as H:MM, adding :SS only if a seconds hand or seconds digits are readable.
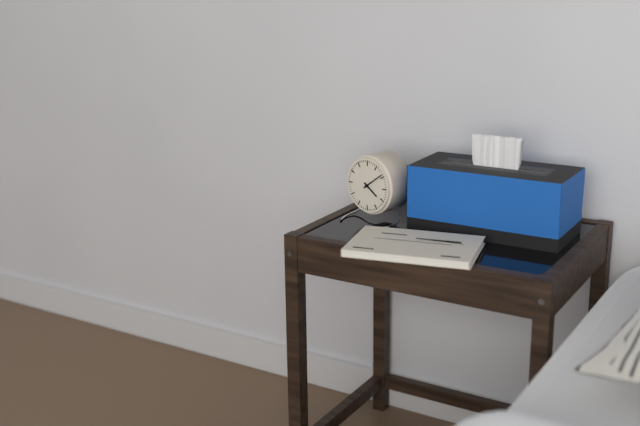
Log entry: 4:09
